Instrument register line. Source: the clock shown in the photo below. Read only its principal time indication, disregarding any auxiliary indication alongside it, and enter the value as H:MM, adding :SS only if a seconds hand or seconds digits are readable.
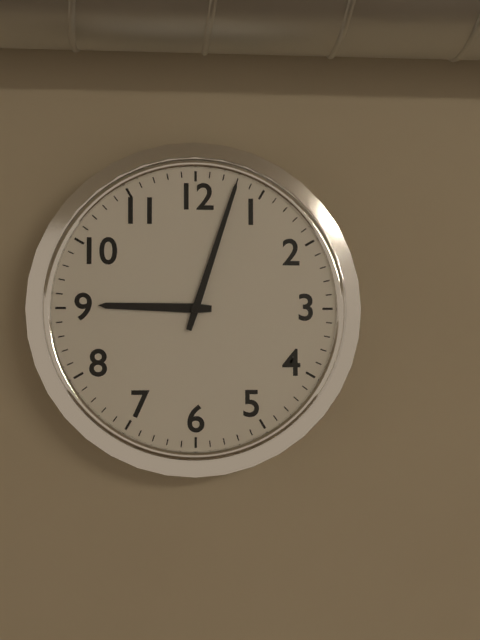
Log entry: 9:03
